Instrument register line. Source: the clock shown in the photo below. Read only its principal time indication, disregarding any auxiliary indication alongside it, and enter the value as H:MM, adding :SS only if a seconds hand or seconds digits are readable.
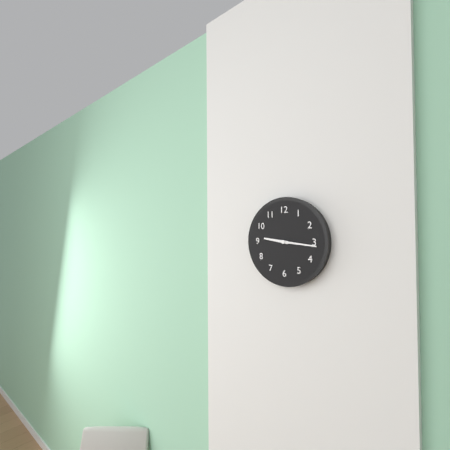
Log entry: 9:16
